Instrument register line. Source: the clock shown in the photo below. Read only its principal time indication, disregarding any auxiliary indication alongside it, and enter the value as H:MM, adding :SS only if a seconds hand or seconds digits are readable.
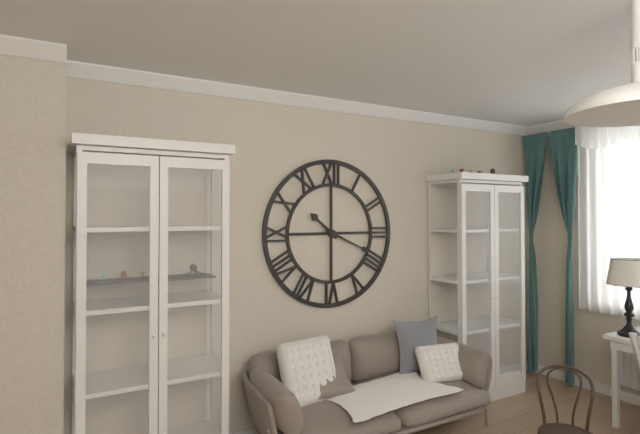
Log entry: 10:19
